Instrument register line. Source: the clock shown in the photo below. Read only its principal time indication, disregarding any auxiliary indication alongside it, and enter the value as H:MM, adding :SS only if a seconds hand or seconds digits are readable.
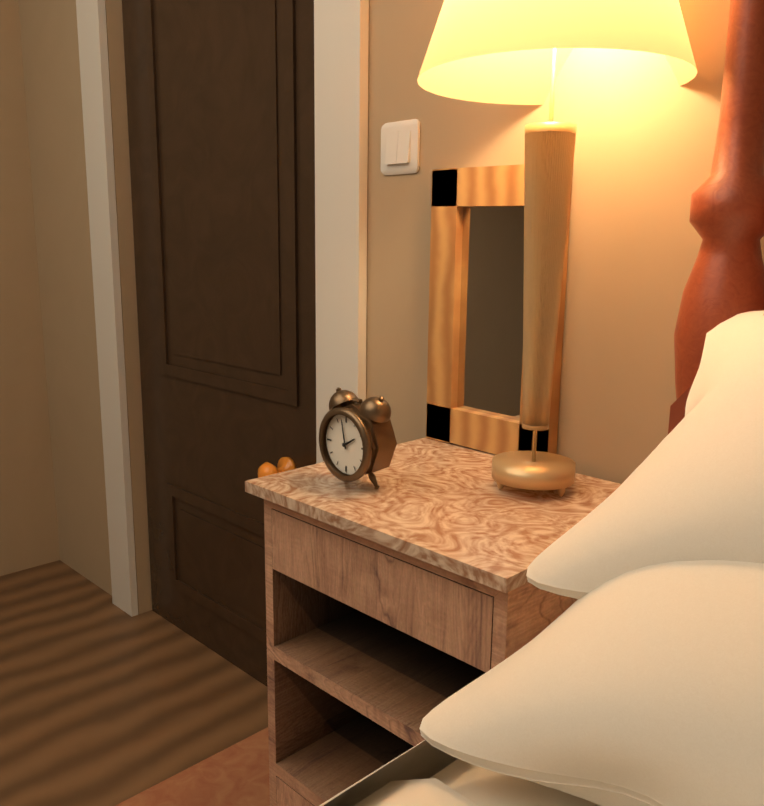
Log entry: 1:58
